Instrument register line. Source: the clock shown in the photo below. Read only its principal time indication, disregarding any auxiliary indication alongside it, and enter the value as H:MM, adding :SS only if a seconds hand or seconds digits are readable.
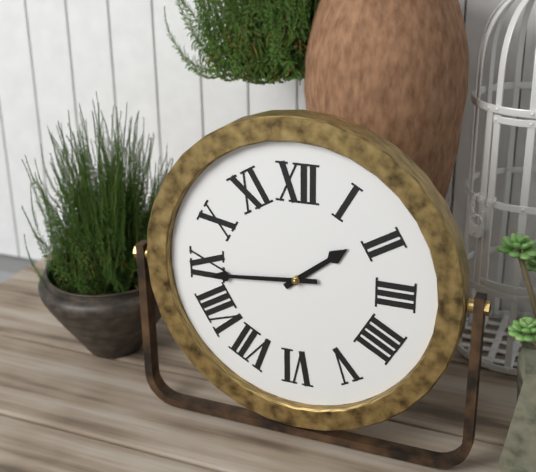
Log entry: 1:44
